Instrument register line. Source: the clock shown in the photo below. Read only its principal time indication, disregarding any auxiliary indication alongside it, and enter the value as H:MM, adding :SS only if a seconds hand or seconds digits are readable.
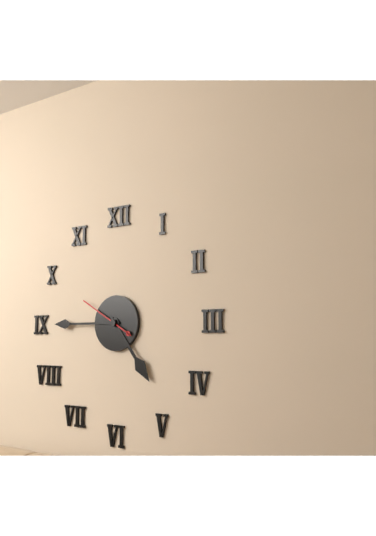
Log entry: 4:45
